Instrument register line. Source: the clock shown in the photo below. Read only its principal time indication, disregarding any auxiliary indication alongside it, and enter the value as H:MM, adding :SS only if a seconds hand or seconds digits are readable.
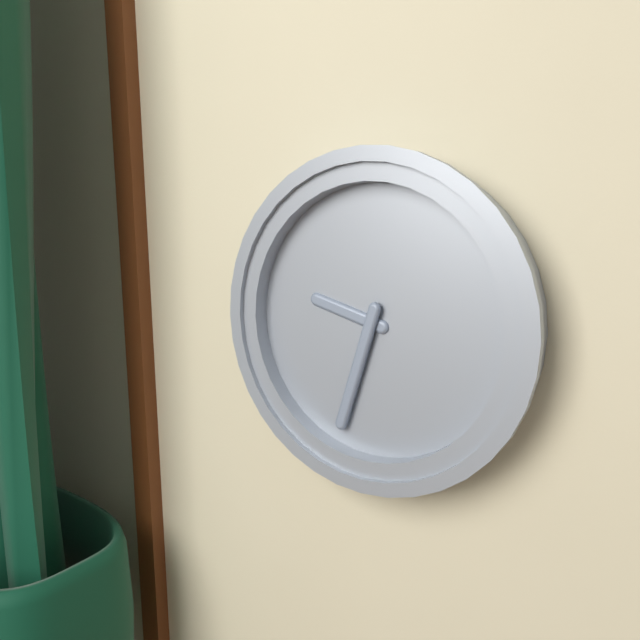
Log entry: 9:33
